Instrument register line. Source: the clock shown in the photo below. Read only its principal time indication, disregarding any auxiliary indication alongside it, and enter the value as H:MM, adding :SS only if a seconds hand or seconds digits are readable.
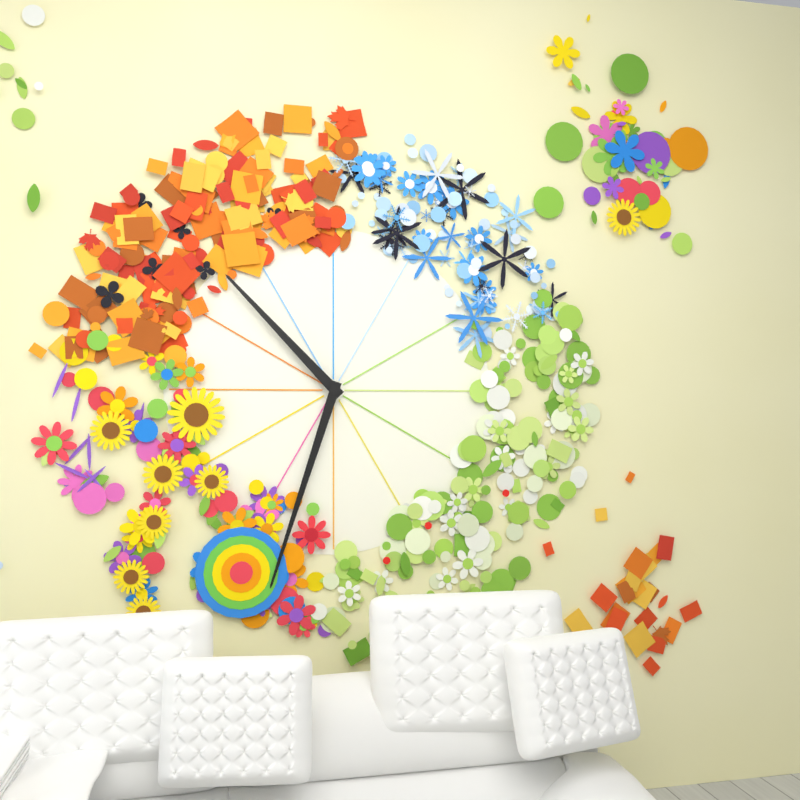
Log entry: 10:33
